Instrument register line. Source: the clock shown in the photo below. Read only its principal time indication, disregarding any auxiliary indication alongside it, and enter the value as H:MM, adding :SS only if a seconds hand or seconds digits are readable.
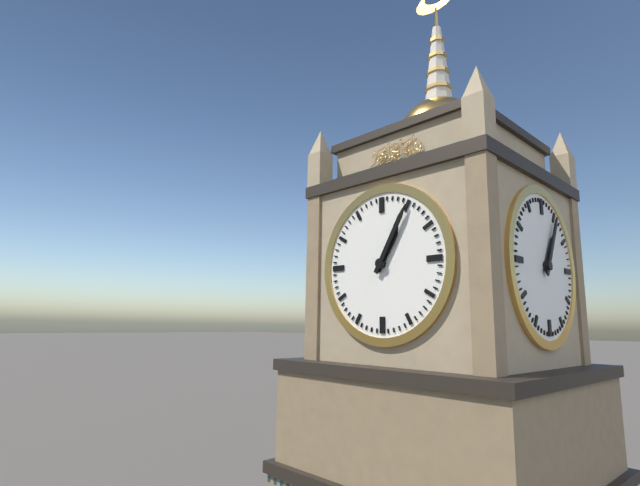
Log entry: 1:05
